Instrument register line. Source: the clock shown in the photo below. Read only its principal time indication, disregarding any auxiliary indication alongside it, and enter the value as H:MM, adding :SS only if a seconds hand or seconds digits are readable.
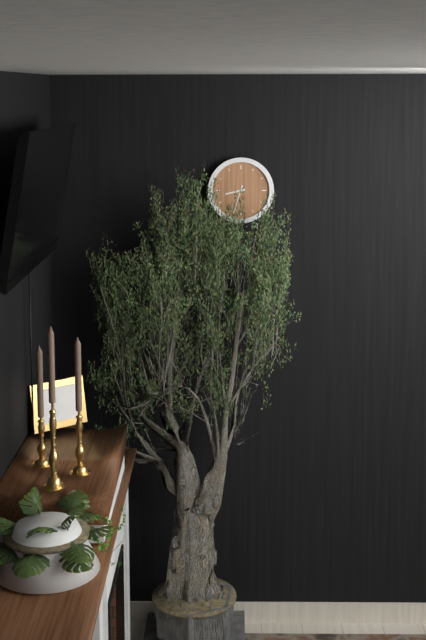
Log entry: 8:33
